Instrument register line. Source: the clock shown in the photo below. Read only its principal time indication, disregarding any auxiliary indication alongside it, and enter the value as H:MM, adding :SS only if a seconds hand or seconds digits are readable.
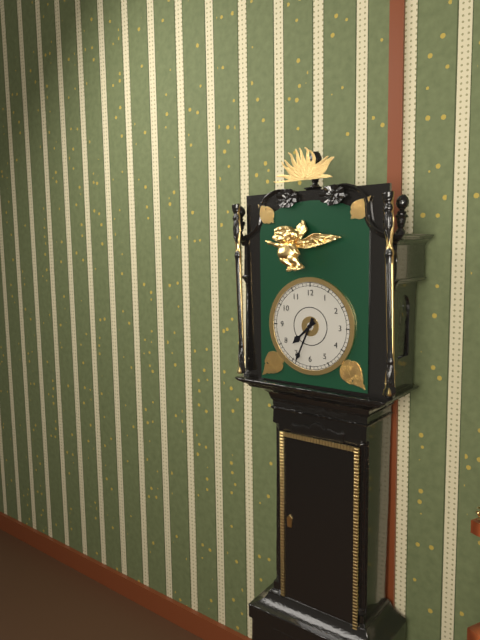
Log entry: 7:34
